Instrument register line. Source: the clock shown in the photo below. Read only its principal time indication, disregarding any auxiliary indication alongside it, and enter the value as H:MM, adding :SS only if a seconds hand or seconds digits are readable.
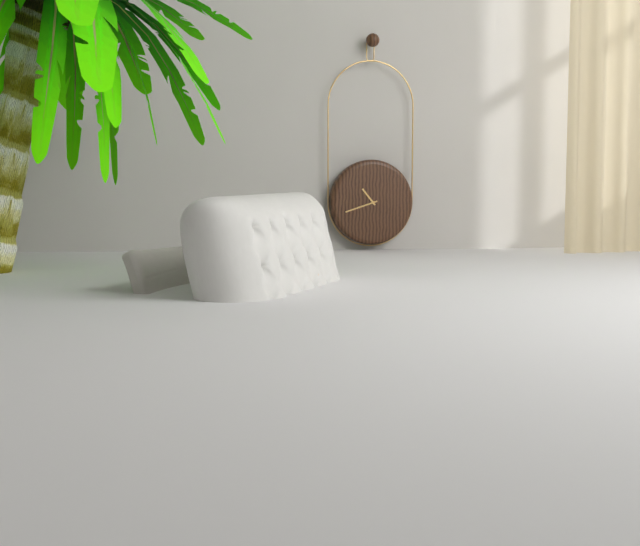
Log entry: 10:42
